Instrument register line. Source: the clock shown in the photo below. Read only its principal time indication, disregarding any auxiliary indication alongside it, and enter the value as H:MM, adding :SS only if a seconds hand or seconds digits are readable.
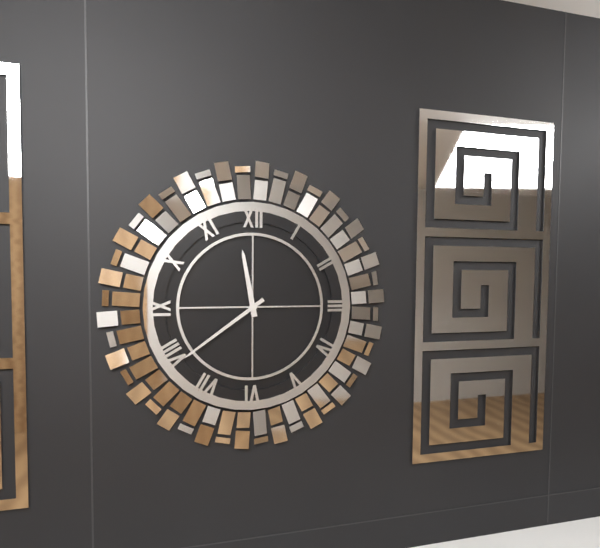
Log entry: 11:39
